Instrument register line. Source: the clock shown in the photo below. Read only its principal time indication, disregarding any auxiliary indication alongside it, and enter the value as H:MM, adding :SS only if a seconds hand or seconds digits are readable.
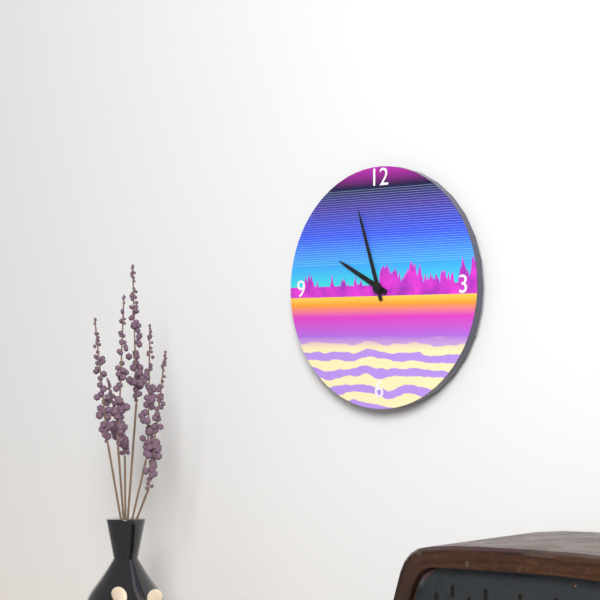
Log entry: 9:57
